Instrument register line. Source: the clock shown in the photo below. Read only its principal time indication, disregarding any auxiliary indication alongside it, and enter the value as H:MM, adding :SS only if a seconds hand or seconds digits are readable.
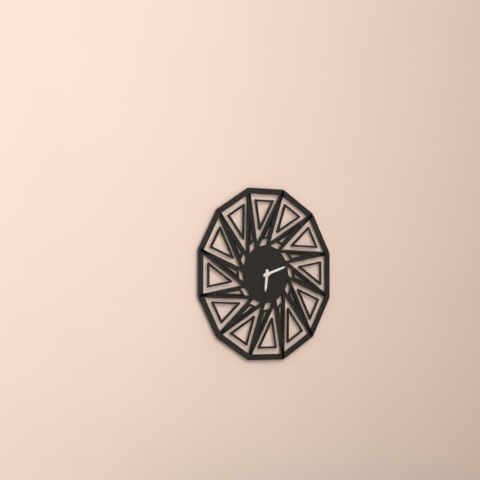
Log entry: 6:12
